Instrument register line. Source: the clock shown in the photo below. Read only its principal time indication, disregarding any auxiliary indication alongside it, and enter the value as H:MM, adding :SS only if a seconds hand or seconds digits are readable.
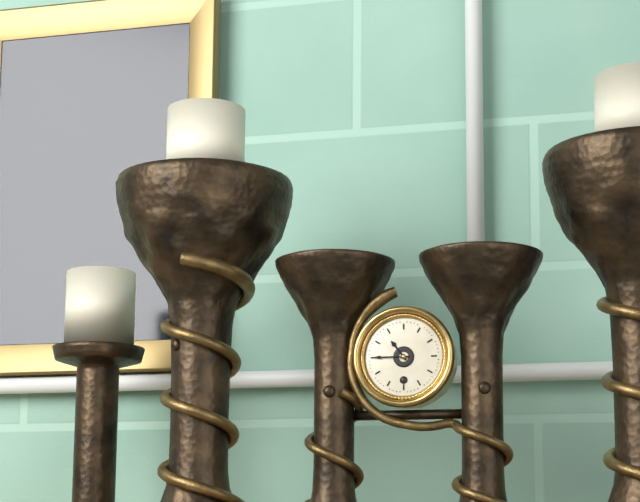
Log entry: 10:45
